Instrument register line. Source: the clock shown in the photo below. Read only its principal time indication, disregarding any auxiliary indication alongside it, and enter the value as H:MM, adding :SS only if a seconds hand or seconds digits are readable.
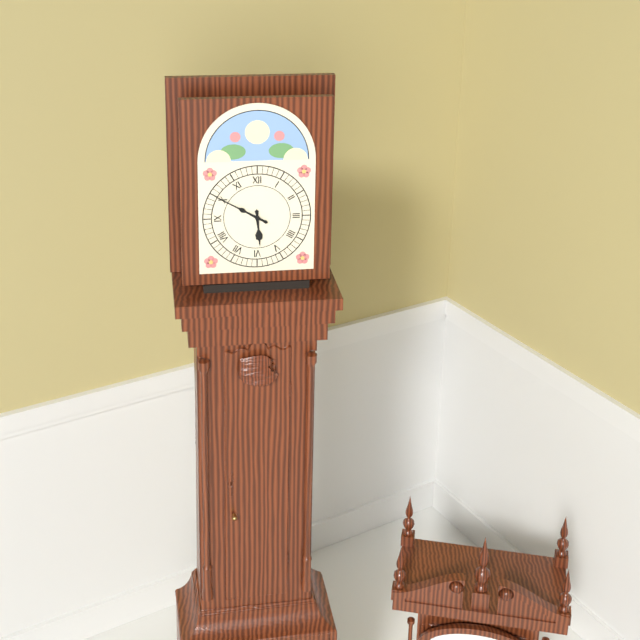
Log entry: 5:50
